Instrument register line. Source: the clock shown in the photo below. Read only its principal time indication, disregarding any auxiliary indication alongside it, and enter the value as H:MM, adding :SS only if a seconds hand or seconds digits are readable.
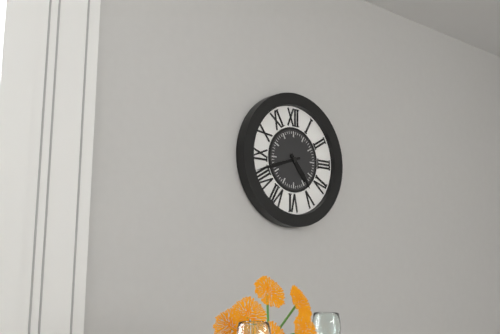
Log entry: 4:42
